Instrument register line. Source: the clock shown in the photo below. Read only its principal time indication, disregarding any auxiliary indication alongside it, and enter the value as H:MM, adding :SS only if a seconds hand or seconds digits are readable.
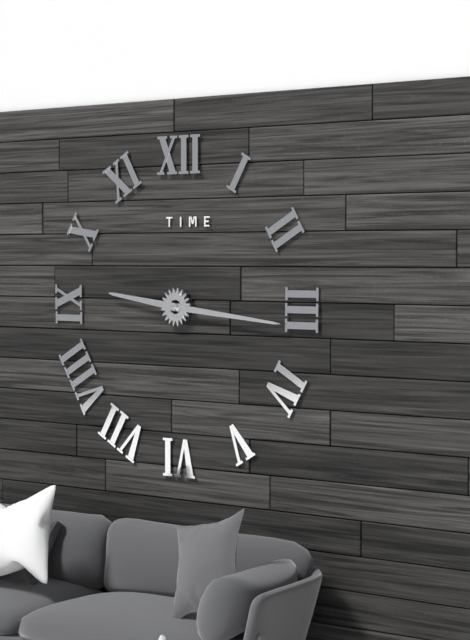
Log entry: 9:16
